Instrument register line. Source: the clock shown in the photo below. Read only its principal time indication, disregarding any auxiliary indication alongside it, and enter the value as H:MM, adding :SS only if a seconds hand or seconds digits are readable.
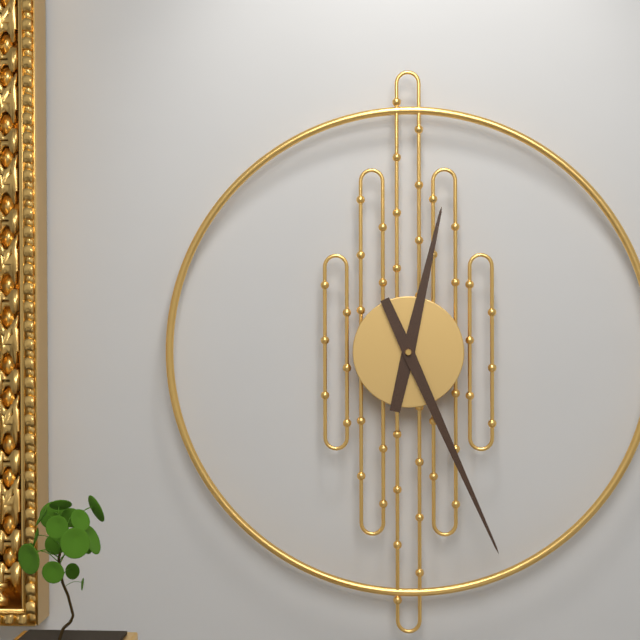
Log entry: 12:26
